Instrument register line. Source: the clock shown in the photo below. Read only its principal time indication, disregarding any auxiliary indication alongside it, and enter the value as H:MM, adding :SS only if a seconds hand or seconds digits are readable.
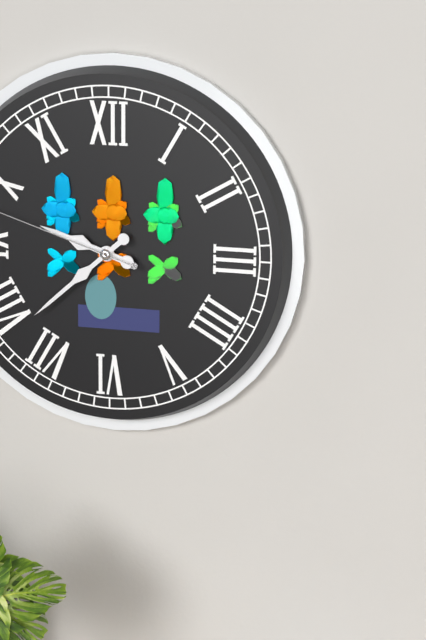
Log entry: 9:38
